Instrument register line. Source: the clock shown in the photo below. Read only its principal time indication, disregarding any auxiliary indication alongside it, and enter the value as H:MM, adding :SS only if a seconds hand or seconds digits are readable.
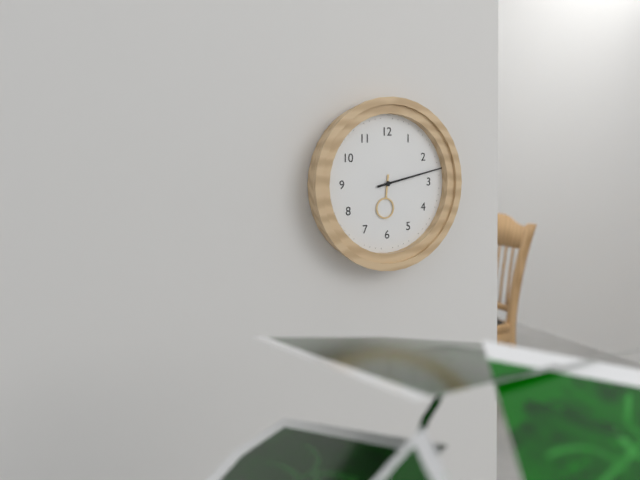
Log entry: 6:13
